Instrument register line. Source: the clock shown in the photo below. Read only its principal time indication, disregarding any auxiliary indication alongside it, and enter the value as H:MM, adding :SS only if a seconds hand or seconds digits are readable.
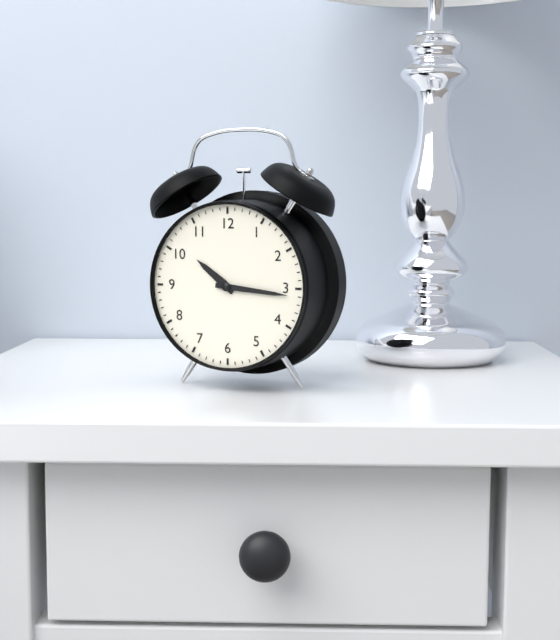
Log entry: 10:16
